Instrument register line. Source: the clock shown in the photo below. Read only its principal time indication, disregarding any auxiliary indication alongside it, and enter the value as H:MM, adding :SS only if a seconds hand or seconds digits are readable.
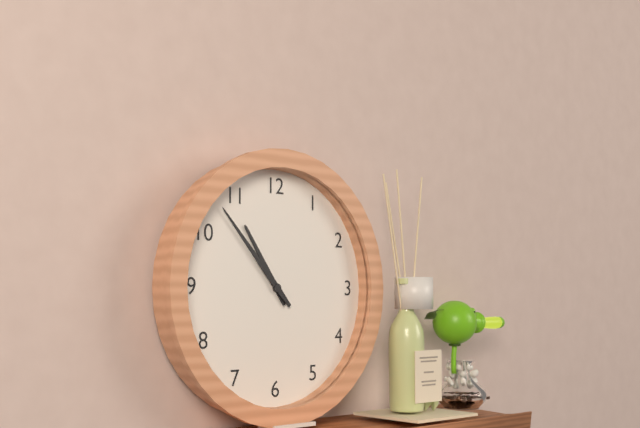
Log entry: 10:53
